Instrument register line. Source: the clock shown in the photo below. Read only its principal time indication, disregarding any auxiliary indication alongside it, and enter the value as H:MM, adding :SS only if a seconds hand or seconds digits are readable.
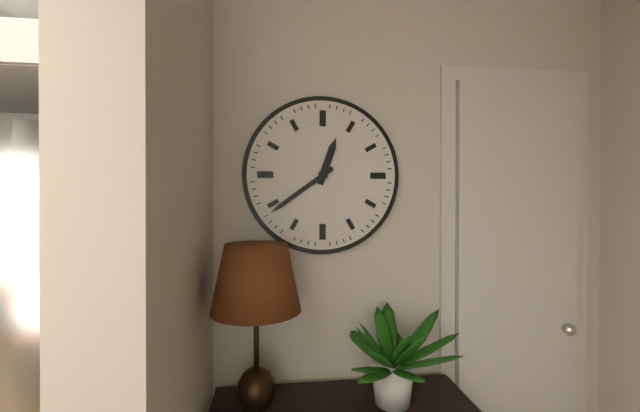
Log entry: 12:39
